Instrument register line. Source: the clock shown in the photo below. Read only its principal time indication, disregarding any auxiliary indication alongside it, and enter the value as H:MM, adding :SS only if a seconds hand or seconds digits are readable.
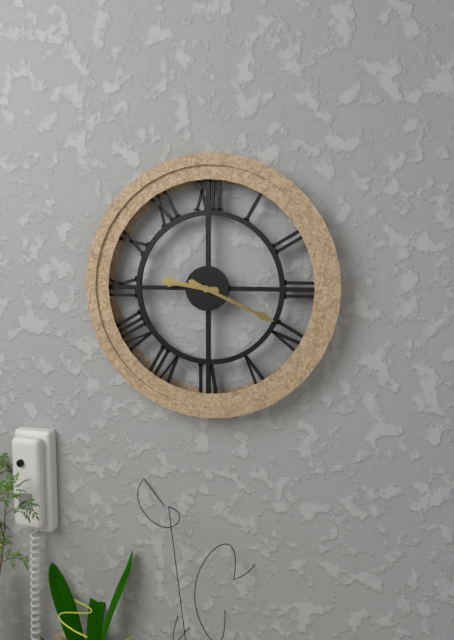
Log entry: 9:19
